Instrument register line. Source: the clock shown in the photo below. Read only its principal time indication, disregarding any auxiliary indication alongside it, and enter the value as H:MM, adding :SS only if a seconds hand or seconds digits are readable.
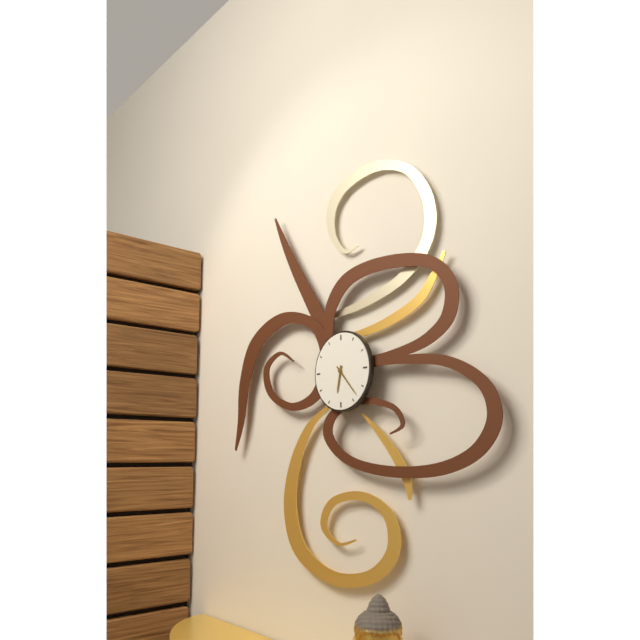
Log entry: 6:23
